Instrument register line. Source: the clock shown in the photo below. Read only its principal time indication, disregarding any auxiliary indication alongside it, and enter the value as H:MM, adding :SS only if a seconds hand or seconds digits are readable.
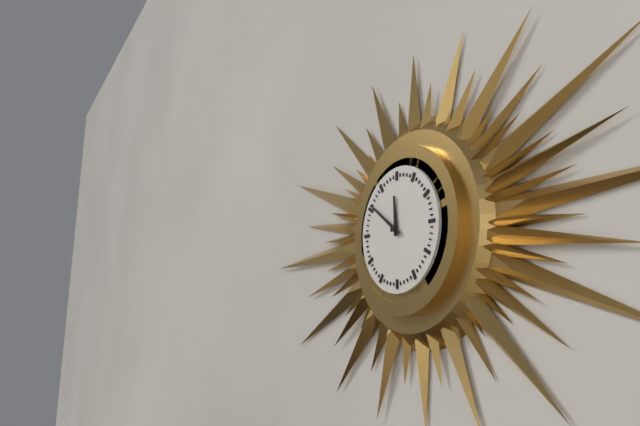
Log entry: 11:51
